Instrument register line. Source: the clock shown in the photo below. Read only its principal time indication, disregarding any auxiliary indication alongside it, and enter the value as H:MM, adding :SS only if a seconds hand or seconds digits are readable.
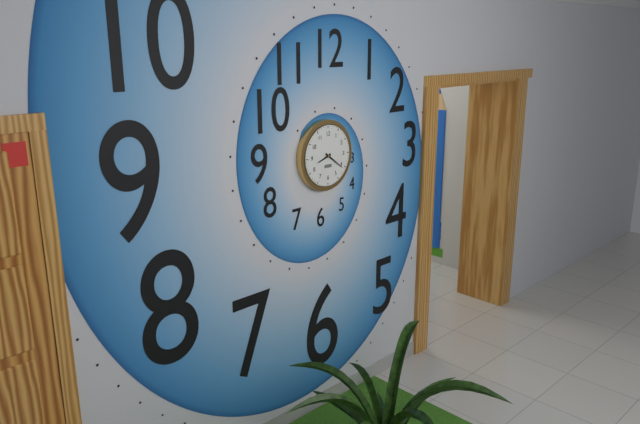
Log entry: 8:21
